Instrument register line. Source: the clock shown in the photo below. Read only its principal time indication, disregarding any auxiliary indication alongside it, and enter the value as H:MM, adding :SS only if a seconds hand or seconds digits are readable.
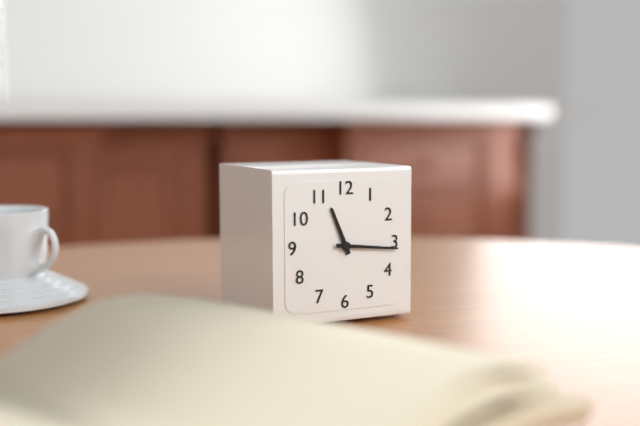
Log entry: 11:16
